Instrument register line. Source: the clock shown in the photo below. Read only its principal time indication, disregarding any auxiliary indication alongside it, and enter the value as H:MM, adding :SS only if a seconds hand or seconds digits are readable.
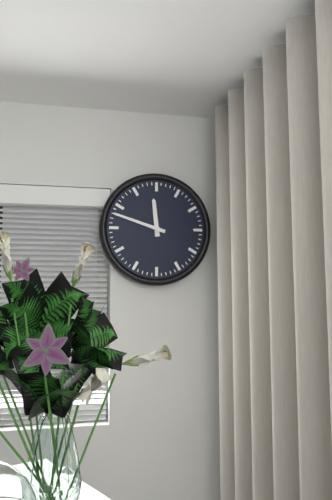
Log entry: 11:48
